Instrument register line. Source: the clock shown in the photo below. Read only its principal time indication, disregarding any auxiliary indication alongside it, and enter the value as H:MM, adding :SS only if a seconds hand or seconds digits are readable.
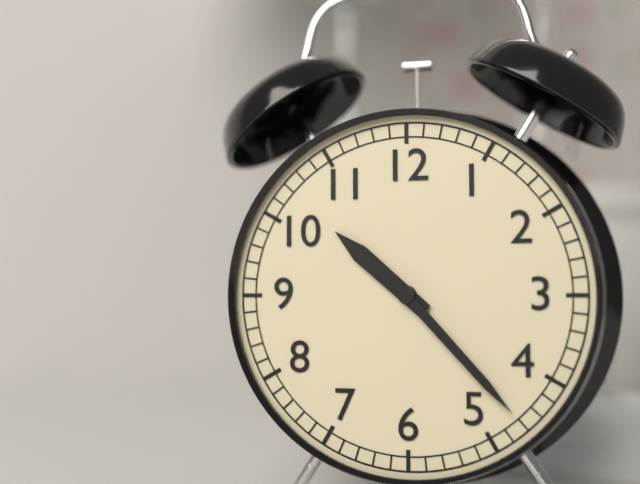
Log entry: 10:23
